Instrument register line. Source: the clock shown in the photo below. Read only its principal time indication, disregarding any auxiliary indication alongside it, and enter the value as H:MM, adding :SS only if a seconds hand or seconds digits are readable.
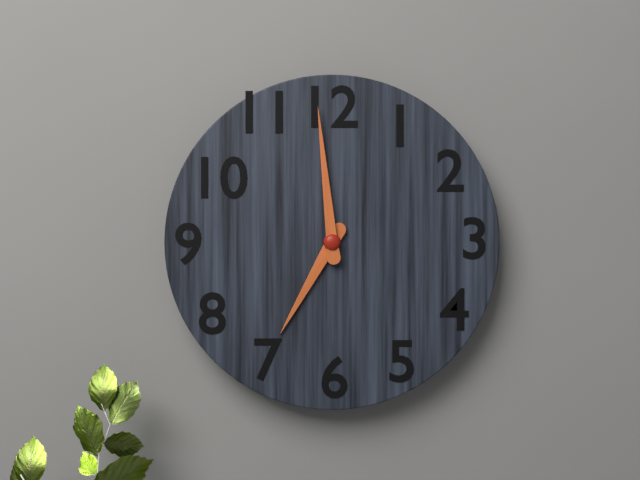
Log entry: 6:59
